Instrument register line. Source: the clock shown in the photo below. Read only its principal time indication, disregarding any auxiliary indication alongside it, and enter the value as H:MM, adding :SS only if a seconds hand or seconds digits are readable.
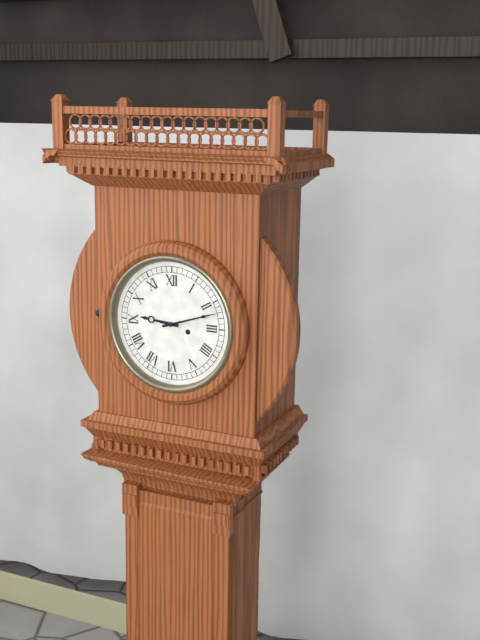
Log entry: 9:12
